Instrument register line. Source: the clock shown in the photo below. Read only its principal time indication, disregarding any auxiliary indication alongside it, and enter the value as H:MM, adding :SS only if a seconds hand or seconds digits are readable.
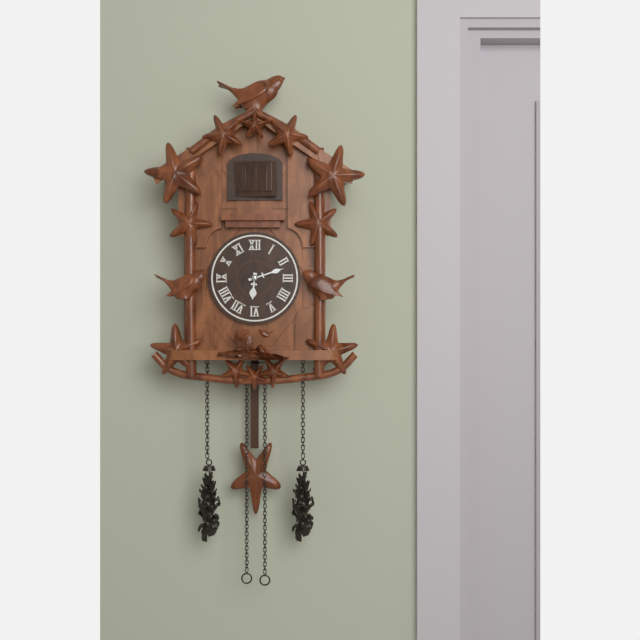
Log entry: 6:12
